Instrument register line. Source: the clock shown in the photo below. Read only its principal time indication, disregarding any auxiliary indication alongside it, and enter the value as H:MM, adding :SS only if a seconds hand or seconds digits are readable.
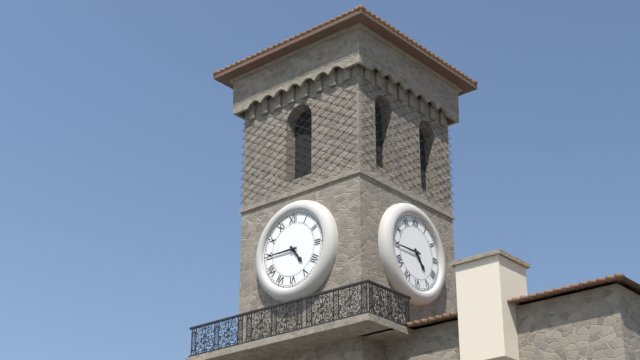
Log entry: 4:45
